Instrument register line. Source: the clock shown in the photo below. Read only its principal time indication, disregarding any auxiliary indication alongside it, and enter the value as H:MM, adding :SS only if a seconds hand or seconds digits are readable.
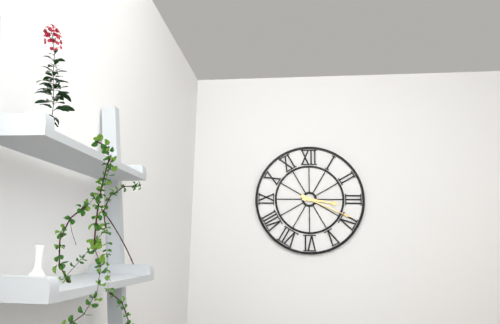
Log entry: 3:19
